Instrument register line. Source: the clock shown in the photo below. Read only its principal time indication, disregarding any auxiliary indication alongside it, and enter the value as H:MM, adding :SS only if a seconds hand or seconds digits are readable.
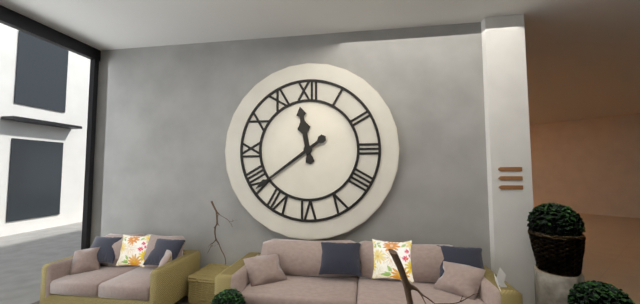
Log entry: 11:39
